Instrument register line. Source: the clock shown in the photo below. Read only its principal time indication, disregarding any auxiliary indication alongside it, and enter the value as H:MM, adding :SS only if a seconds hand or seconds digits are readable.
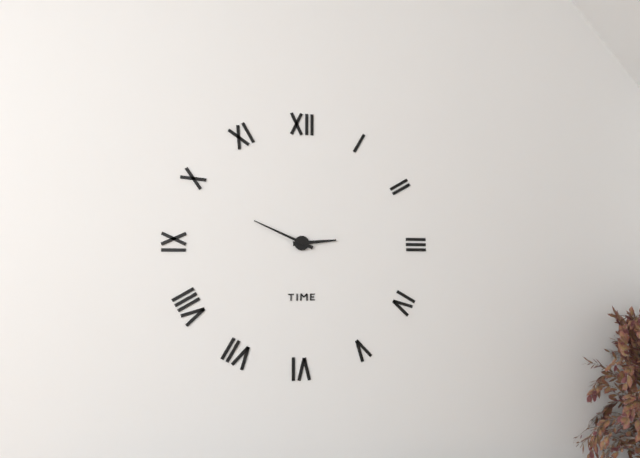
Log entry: 2:49
